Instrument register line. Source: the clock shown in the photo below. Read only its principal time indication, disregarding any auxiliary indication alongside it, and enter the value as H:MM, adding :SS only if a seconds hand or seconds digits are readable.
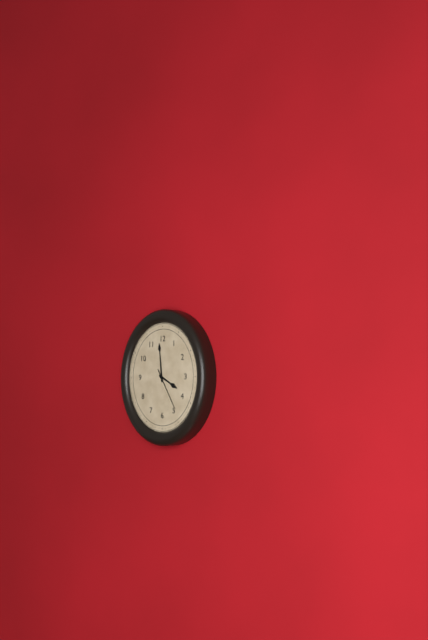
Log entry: 3:59
